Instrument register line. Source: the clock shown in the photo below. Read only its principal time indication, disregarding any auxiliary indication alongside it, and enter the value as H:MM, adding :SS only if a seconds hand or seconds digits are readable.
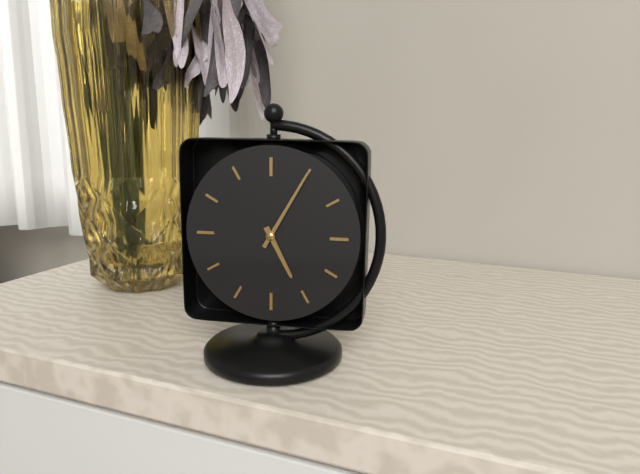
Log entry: 5:05
